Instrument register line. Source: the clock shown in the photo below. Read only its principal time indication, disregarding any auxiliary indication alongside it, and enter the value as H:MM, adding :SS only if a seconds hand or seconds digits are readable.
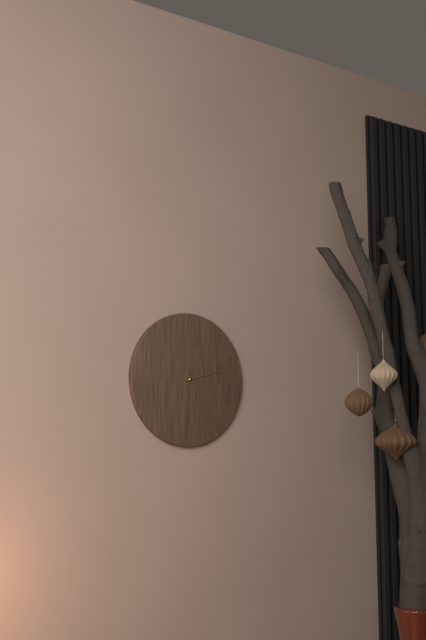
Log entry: 2:31
